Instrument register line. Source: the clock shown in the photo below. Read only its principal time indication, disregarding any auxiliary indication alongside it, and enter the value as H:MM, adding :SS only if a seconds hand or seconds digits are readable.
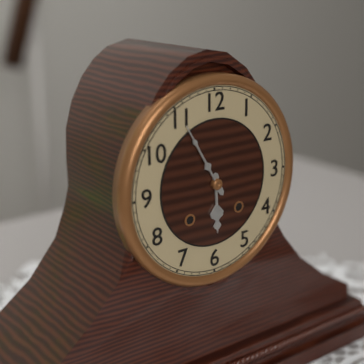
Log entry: 5:55
